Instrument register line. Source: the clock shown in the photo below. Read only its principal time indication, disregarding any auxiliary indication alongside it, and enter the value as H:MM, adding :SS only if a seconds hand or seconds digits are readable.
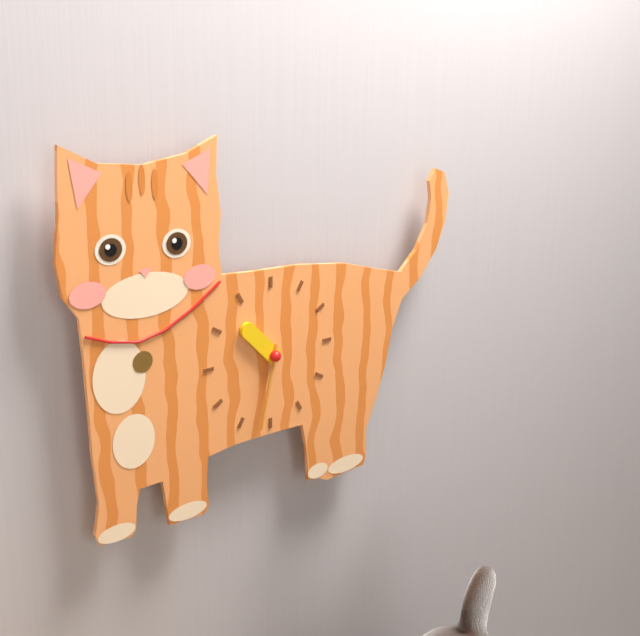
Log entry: 10:32
